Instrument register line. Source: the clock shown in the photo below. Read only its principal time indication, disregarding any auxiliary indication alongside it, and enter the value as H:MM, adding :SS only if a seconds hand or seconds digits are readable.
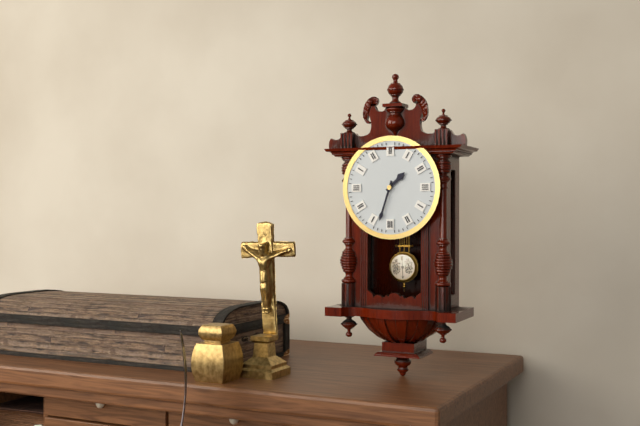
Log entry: 1:33
